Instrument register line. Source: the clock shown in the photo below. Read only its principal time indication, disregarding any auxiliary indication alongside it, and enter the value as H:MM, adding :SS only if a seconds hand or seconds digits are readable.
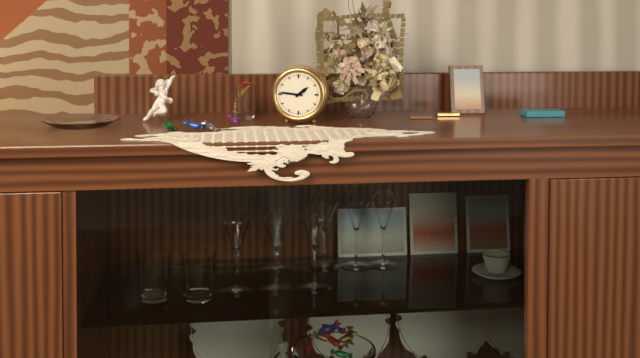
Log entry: 1:46
